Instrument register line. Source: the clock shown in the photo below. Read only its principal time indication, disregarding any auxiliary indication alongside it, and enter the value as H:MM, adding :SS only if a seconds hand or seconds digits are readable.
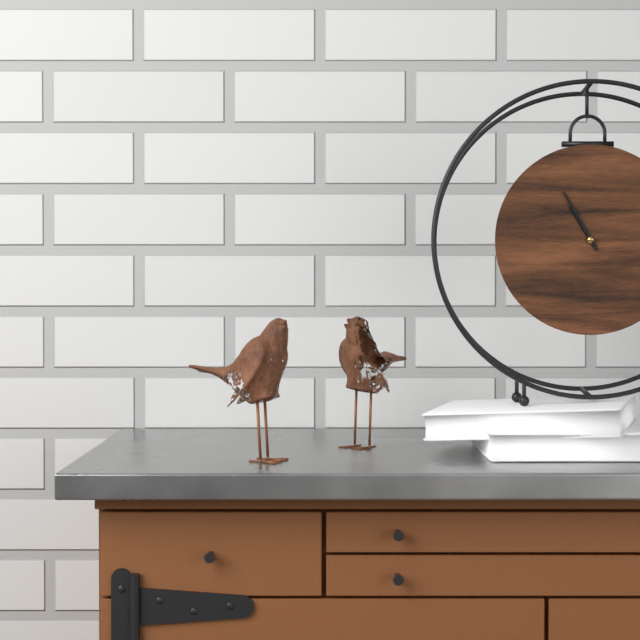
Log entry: 10:55
